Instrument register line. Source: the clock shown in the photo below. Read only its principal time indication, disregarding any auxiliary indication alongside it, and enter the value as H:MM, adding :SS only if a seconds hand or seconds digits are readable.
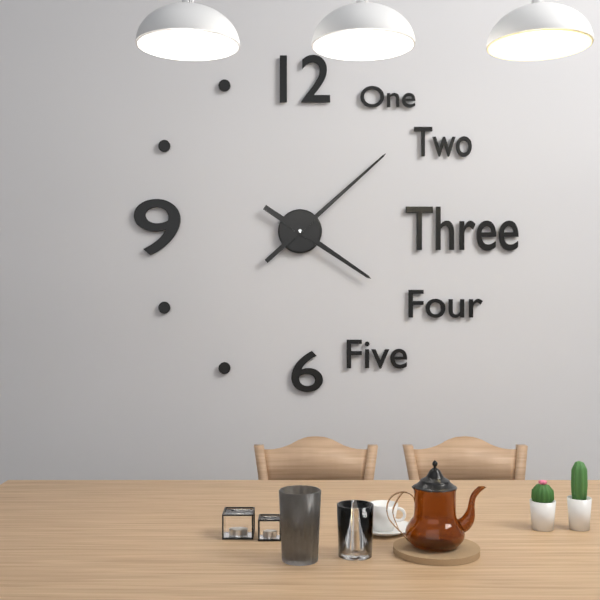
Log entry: 4:08
